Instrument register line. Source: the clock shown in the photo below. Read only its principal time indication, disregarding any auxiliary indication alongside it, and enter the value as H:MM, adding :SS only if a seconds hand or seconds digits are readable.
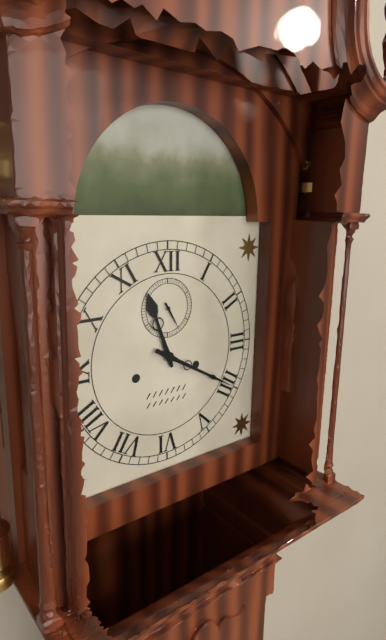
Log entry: 11:20
